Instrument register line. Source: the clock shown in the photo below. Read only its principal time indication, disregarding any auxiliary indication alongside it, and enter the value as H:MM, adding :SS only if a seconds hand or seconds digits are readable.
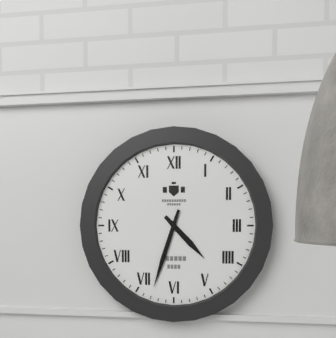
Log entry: 4:33
